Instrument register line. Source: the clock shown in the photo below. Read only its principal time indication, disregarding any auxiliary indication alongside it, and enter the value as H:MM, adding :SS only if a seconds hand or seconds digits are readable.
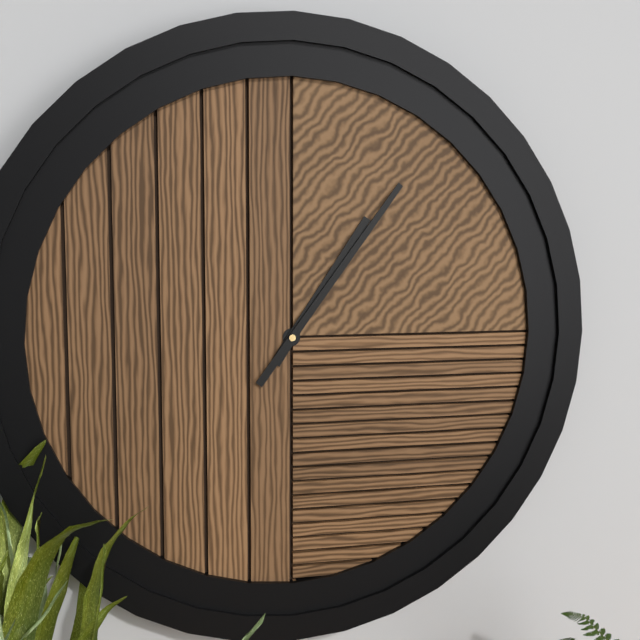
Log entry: 1:06
